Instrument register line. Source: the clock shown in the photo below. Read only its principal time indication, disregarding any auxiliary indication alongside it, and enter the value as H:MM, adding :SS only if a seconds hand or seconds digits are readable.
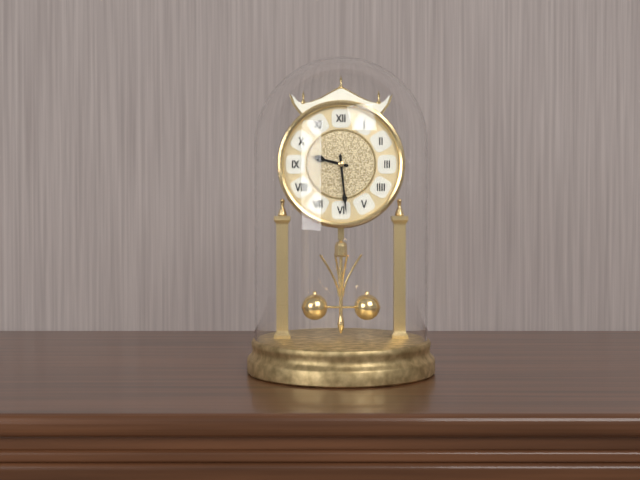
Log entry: 9:29
